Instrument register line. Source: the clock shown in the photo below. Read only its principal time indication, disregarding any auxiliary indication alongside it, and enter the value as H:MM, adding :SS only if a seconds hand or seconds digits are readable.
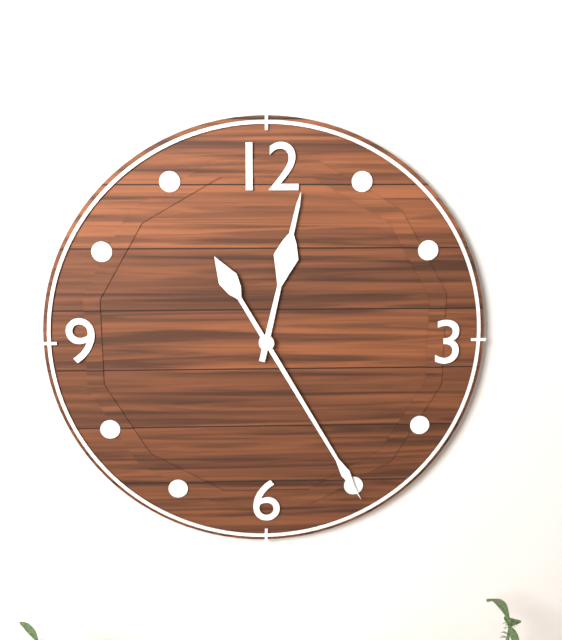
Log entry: 12:25
